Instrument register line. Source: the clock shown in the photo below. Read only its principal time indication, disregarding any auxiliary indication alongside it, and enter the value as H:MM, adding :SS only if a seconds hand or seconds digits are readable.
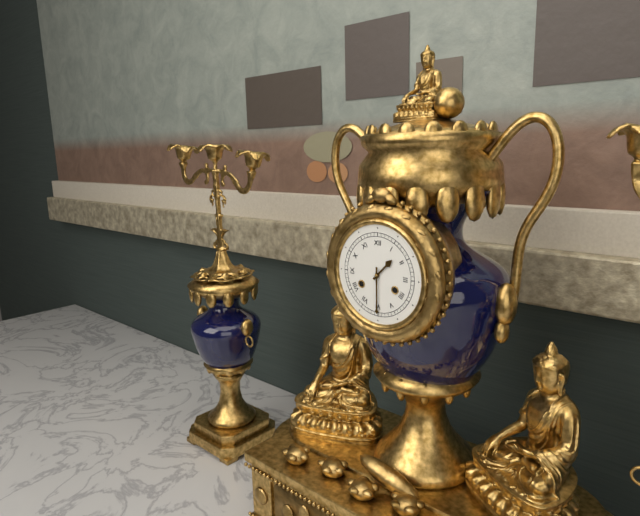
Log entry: 1:30
